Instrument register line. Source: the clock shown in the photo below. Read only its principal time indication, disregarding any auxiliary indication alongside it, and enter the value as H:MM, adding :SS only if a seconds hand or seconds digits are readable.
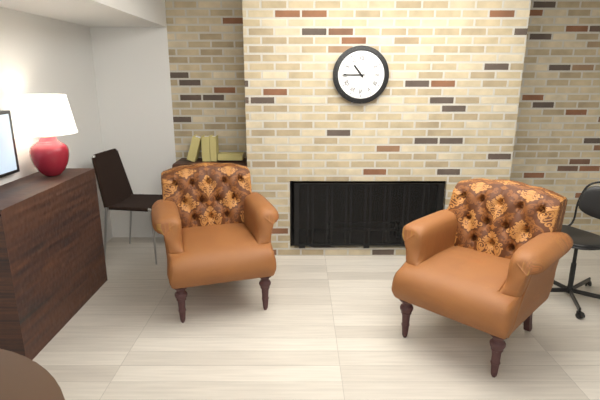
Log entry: 10:45
